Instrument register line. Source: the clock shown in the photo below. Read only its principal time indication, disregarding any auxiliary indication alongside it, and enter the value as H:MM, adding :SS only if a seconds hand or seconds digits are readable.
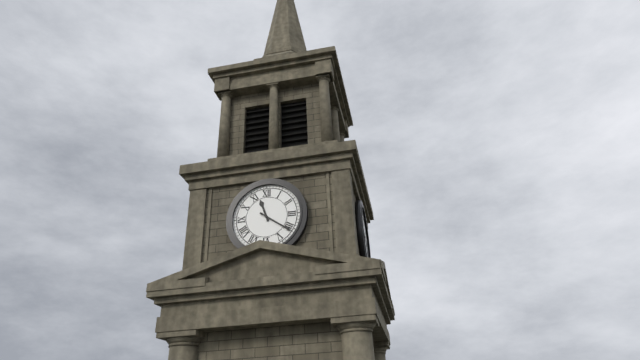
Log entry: 11:21
